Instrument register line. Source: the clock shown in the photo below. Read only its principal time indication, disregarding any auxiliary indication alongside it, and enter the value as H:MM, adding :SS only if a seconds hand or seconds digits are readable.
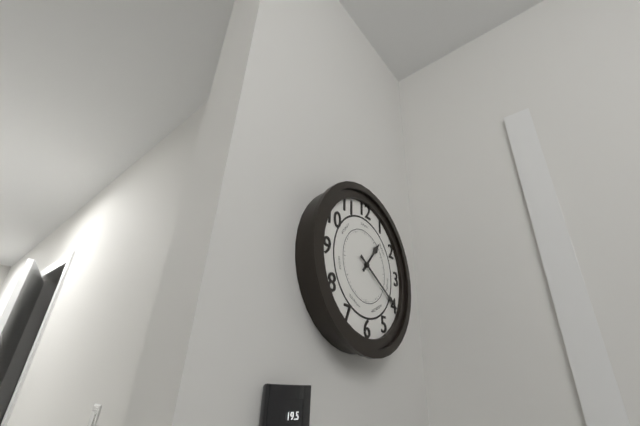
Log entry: 1:20
